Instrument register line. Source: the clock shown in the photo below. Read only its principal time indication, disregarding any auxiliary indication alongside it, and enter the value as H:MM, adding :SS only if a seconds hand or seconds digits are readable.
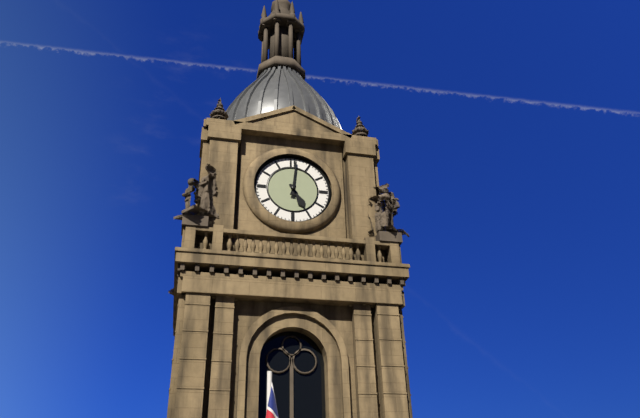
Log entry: 5:01
